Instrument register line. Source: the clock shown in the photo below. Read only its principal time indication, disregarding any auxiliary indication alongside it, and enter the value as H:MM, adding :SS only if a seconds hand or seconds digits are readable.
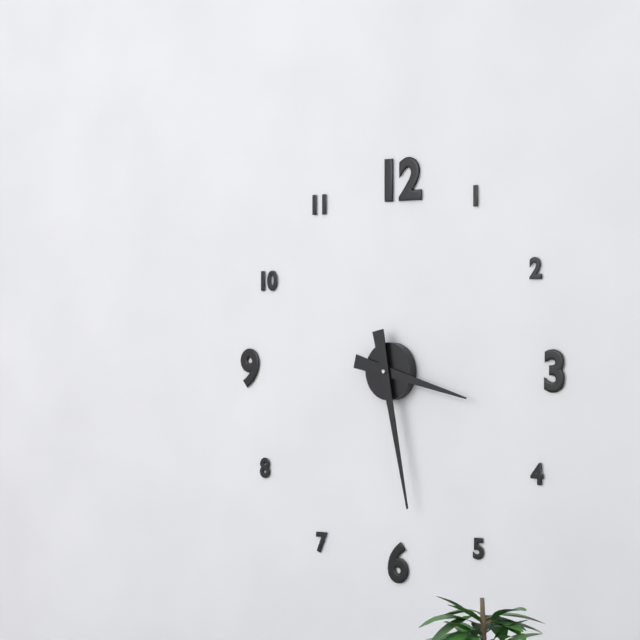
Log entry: 3:28
